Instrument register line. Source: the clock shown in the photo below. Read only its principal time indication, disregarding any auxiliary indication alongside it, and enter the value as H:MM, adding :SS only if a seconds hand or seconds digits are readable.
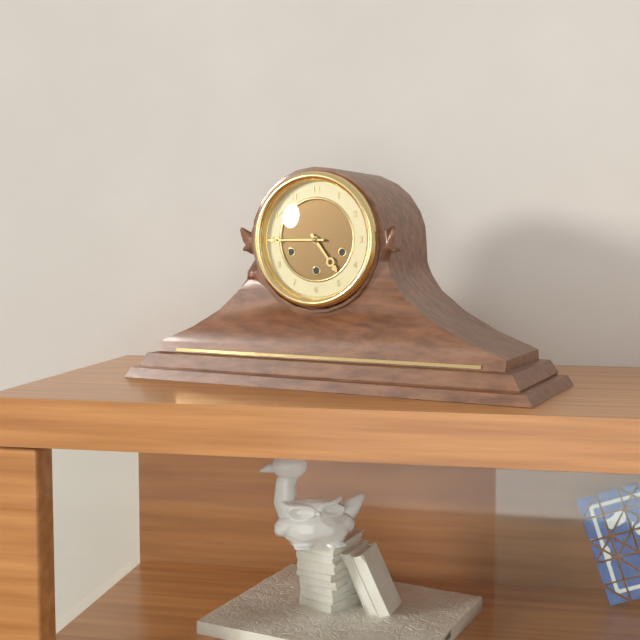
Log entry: 4:45
